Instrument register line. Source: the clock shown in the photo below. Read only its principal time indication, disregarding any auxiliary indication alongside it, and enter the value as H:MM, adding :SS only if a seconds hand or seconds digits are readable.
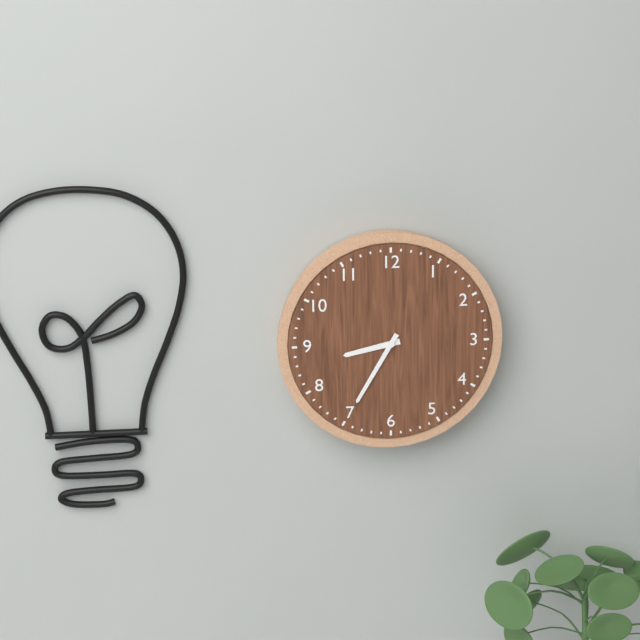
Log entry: 8:35
